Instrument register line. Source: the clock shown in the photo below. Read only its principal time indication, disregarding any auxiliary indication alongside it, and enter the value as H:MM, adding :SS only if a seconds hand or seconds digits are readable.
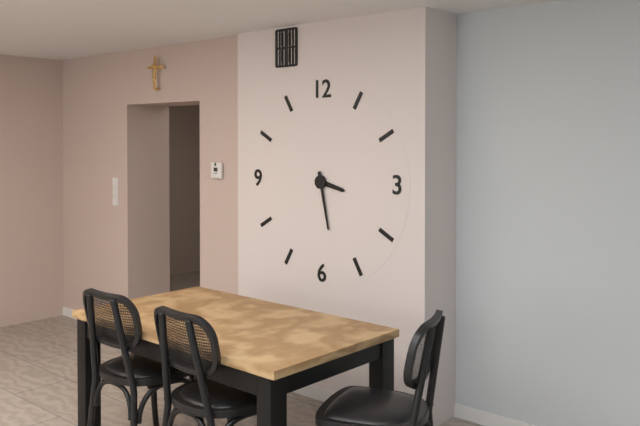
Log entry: 3:28
